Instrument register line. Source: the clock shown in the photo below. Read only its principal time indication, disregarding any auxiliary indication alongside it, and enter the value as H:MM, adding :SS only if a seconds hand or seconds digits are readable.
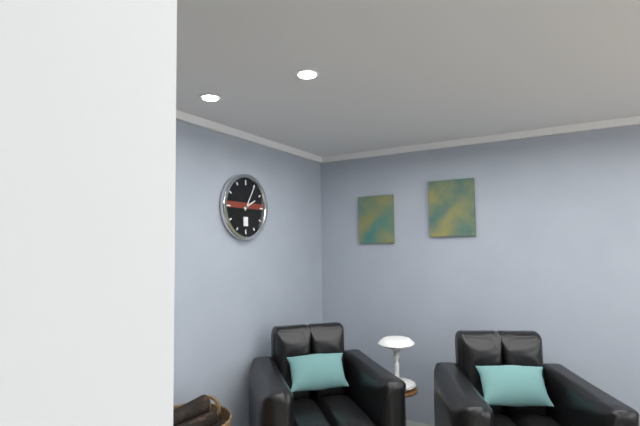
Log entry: 2:05
